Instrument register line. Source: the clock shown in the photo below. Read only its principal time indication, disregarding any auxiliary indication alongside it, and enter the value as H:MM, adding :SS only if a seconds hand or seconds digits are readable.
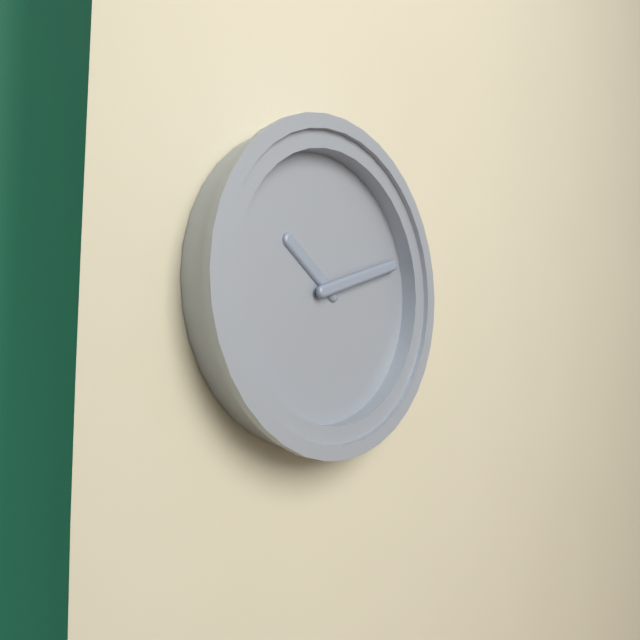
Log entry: 10:12
